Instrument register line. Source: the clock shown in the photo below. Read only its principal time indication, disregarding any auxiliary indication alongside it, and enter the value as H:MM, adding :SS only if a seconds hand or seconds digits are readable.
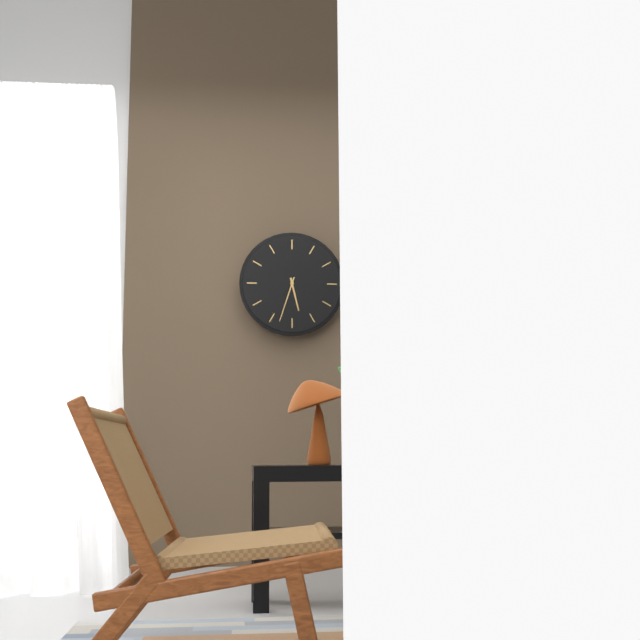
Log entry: 5:33
